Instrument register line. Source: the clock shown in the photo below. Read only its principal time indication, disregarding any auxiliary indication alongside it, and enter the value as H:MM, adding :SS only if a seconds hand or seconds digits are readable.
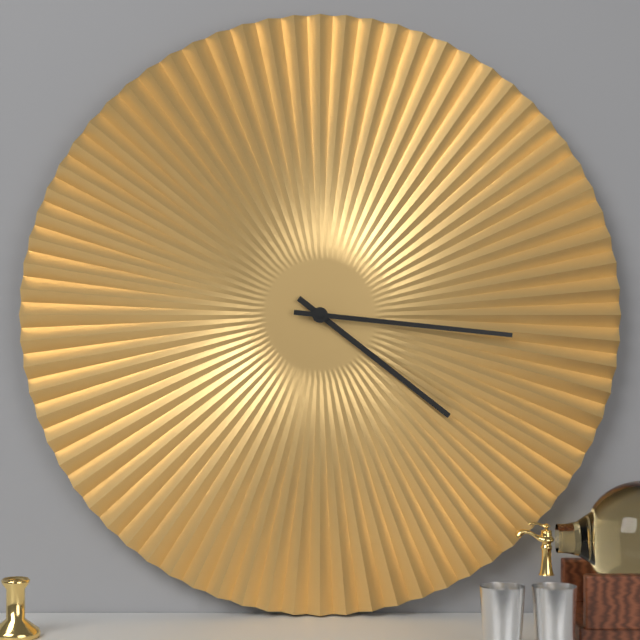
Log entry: 4:16
